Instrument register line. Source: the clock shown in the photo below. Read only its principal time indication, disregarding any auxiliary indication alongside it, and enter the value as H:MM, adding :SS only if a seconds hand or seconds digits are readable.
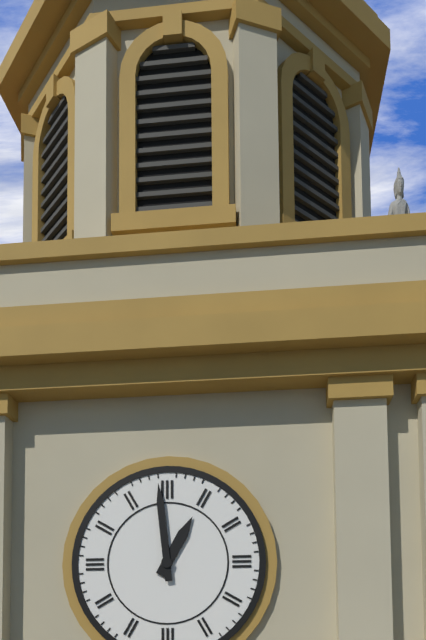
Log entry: 12:59
